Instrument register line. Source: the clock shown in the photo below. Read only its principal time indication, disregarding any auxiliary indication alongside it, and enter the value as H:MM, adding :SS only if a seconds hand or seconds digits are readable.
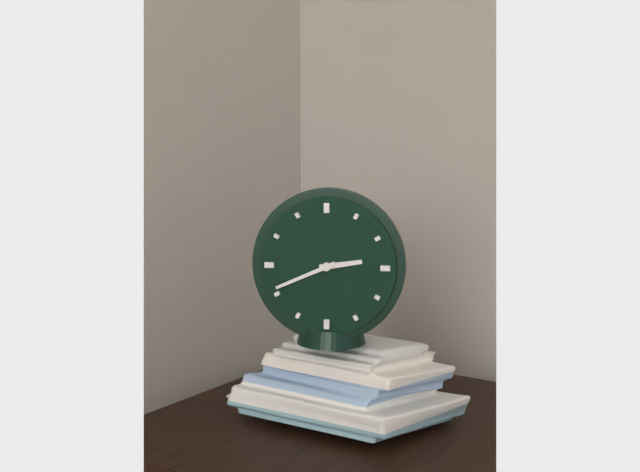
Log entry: 2:41
